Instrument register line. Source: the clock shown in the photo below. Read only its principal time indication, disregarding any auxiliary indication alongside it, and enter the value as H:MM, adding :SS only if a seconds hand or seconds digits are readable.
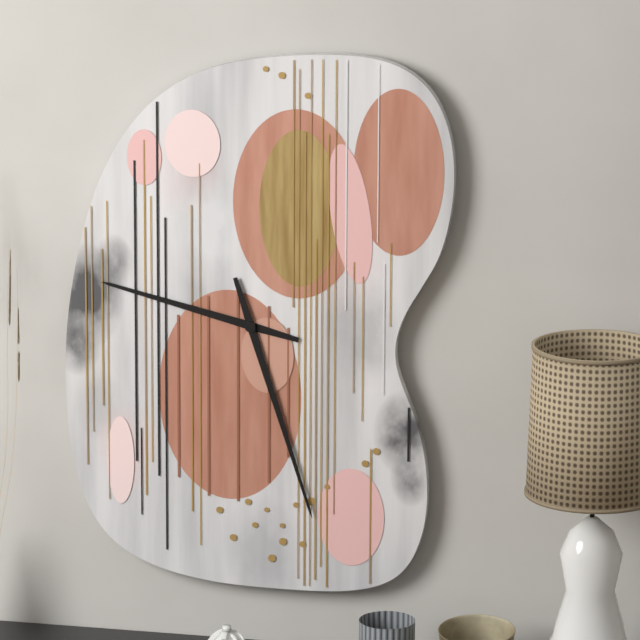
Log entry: 9:27
